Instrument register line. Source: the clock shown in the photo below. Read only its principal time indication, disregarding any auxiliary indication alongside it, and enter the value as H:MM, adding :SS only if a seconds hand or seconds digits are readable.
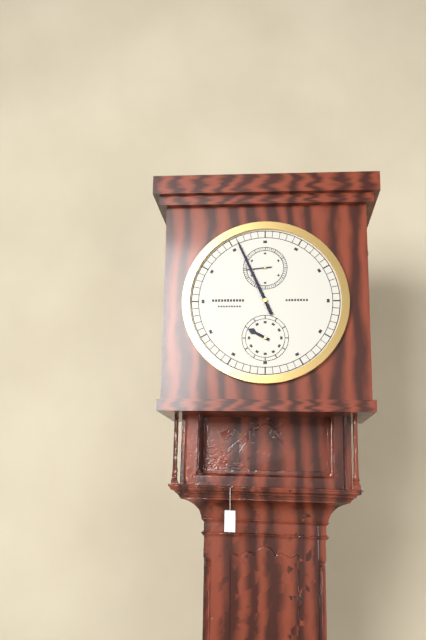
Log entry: 9:56
